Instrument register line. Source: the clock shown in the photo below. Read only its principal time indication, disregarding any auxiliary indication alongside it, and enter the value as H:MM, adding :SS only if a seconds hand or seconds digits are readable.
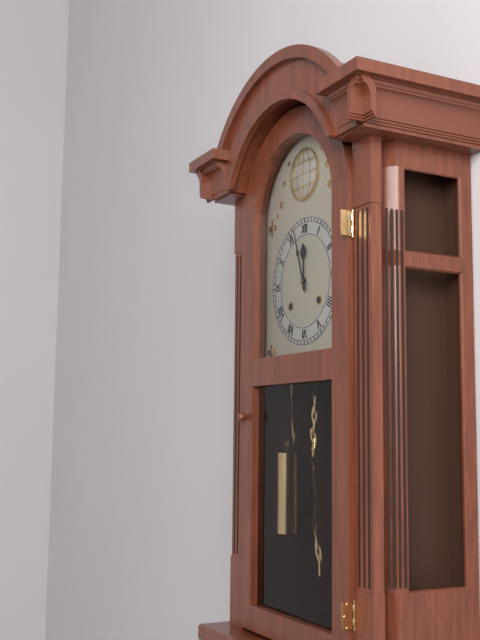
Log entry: 11:57
